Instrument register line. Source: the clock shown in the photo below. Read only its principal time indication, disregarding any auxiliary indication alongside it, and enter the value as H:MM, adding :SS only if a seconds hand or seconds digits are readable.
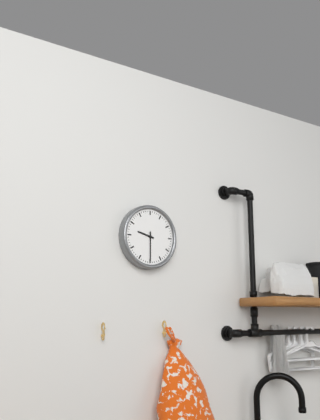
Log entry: 9:30
